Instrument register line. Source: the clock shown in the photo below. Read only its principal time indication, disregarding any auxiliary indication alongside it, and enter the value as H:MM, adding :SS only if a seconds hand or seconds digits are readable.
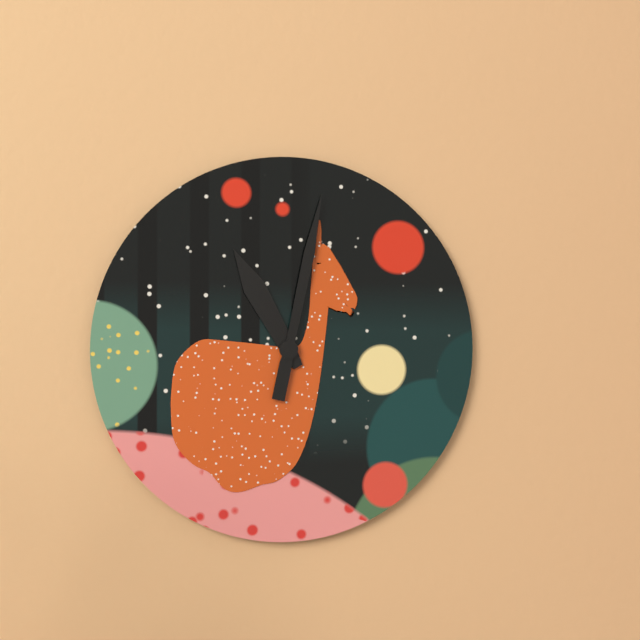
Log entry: 11:02
